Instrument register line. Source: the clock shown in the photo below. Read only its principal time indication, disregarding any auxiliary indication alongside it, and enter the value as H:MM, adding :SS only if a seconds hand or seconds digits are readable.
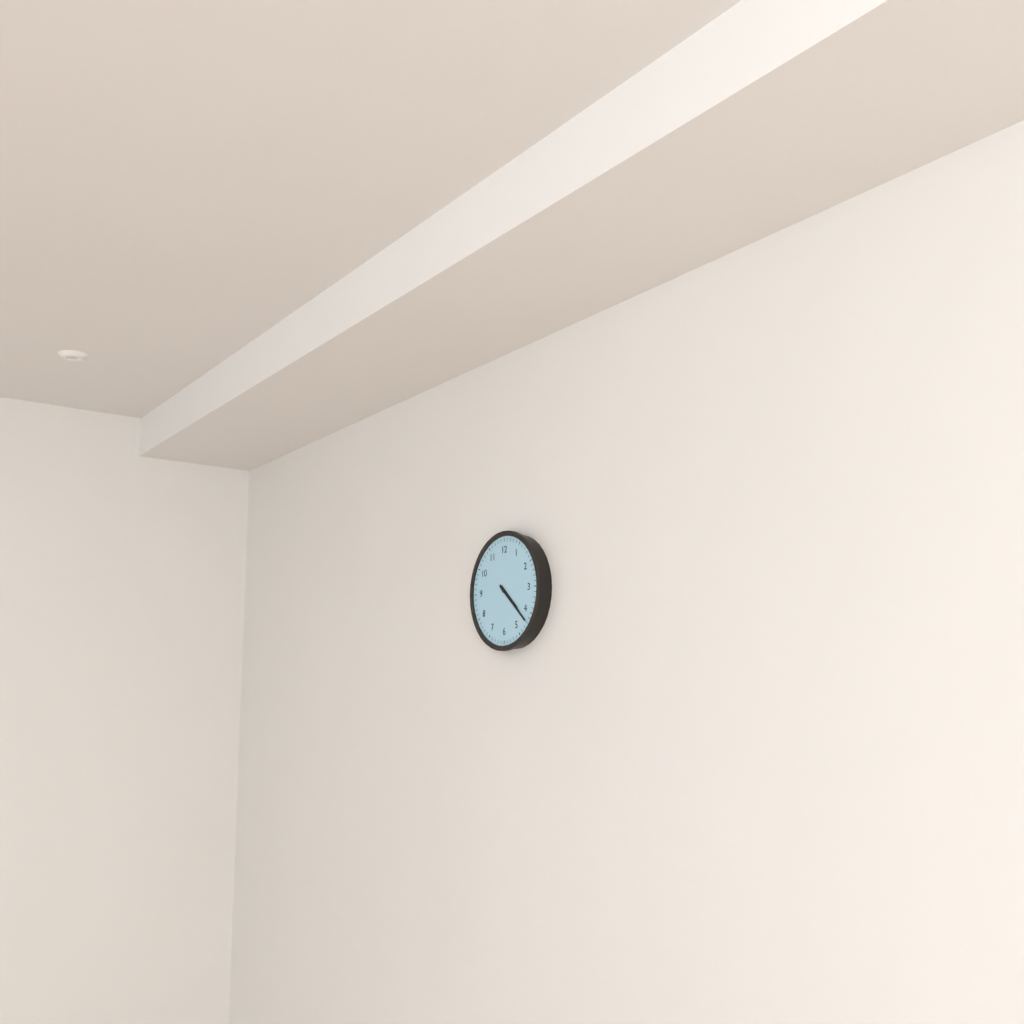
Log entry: 4:22
